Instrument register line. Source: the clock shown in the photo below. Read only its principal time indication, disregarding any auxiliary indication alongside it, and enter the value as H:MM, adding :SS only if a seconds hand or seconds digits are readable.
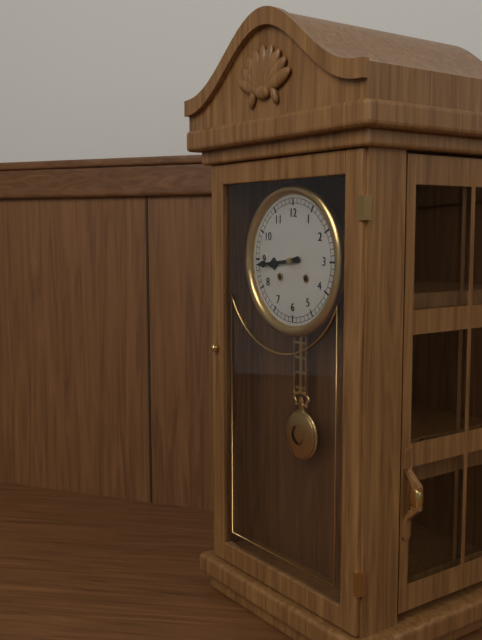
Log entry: 8:44
